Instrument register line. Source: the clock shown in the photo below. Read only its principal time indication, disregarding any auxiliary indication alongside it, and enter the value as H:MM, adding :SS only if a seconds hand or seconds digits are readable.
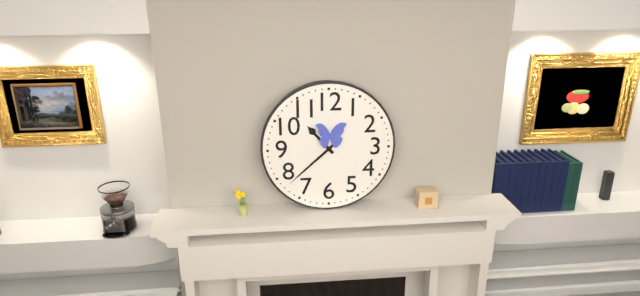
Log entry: 10:38
